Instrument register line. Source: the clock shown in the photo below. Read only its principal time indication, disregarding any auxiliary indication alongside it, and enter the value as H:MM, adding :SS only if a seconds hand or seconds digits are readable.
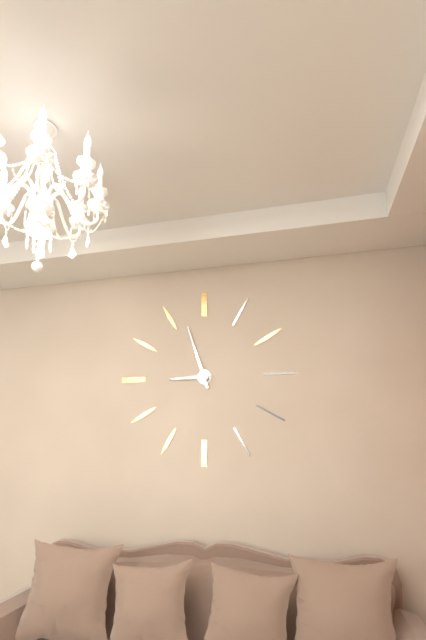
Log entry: 8:57
